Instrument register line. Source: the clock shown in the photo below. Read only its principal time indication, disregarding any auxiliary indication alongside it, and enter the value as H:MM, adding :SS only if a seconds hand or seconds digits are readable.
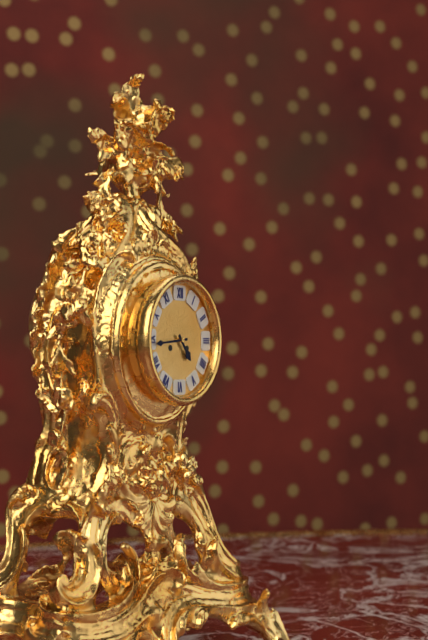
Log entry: 4:44
